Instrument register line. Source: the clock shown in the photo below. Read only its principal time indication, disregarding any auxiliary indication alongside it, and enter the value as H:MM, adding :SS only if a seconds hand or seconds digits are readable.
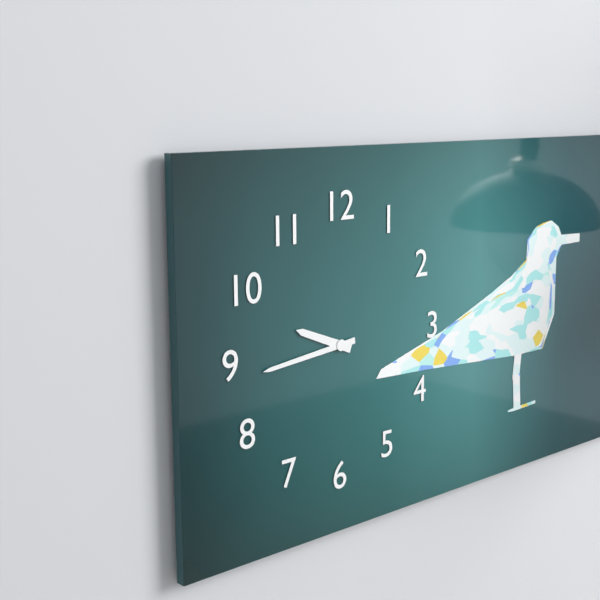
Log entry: 9:44
